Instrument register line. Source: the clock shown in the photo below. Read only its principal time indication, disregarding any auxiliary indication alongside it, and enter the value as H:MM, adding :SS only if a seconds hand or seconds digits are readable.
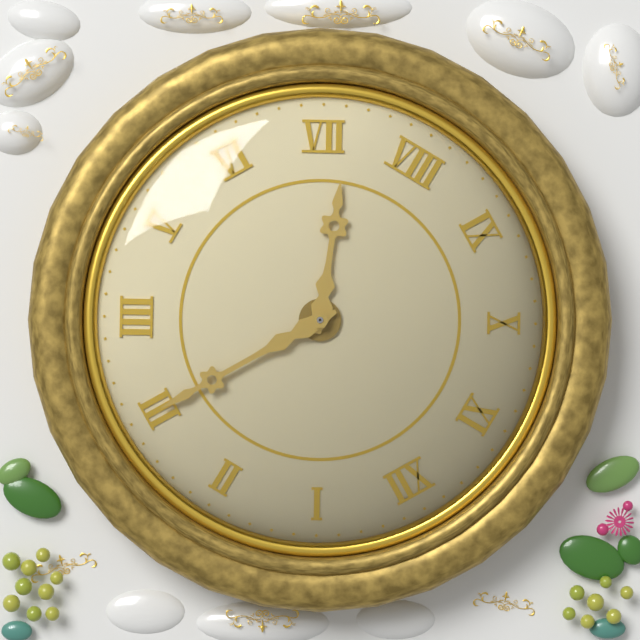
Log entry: 7:15
